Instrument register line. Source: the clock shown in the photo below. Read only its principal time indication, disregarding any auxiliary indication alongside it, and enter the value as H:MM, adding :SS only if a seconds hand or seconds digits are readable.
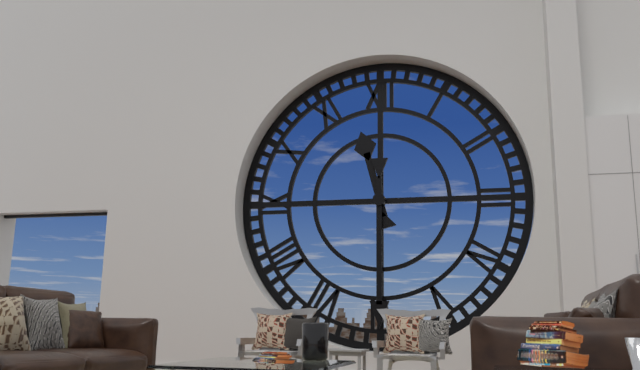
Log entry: 11:30
